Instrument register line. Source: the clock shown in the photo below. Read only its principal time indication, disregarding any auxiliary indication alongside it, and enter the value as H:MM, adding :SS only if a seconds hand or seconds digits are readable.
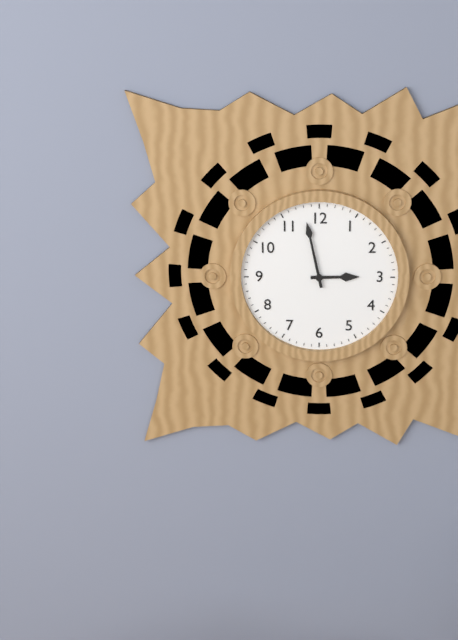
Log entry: 2:58
